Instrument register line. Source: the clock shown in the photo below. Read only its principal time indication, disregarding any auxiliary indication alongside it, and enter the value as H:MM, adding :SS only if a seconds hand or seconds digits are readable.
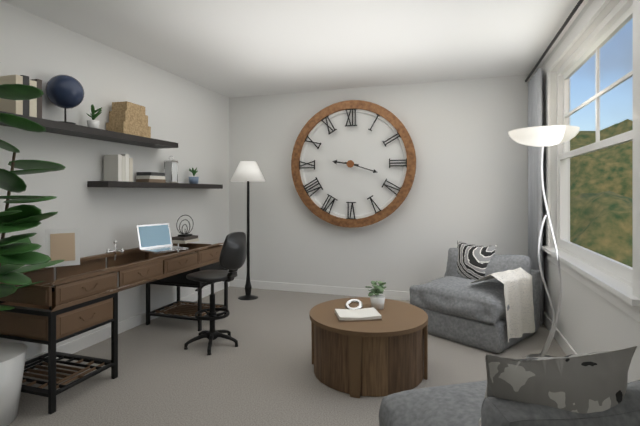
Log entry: 9:18
